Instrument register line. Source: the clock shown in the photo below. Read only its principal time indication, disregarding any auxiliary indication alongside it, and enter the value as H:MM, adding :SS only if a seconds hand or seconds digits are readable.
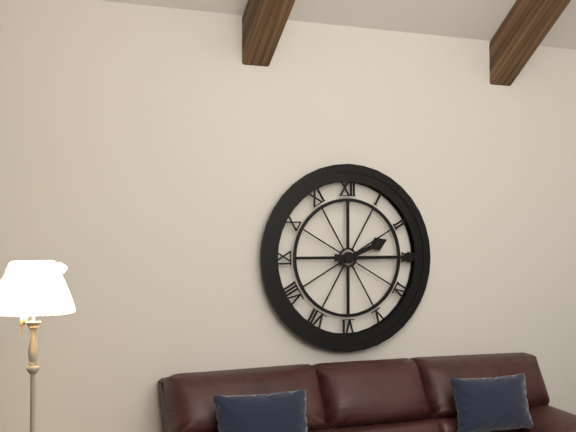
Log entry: 2:15
